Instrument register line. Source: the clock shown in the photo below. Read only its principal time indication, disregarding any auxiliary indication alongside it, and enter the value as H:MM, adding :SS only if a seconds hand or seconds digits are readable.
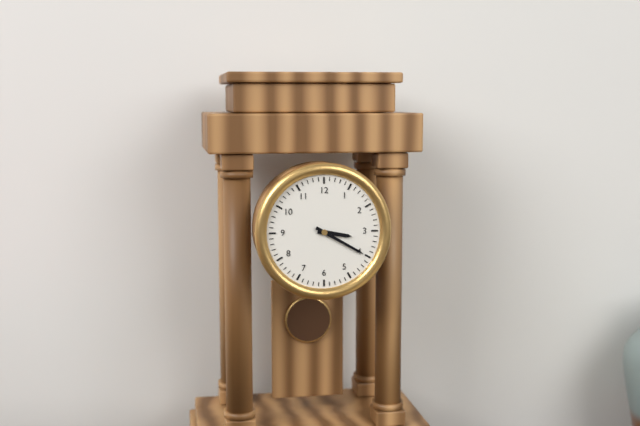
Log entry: 3:20
